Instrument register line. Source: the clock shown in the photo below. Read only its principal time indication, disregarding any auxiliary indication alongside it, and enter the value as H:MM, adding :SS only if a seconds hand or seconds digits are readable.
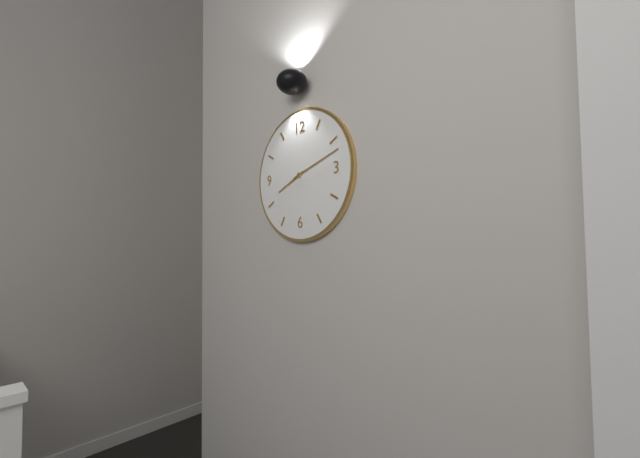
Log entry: 8:12
